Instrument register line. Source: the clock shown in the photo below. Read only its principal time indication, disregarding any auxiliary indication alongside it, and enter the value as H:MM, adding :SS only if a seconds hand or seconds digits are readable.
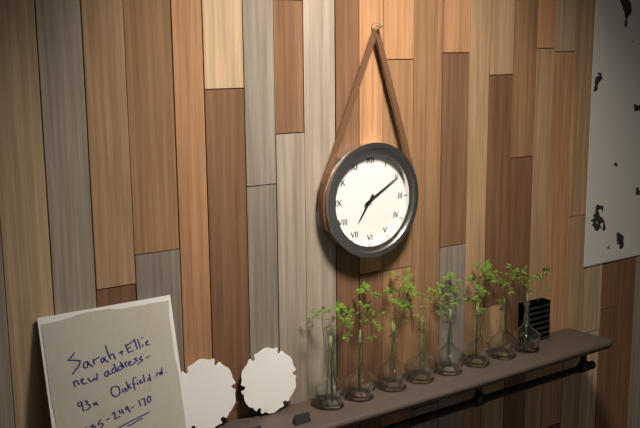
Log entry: 7:10
